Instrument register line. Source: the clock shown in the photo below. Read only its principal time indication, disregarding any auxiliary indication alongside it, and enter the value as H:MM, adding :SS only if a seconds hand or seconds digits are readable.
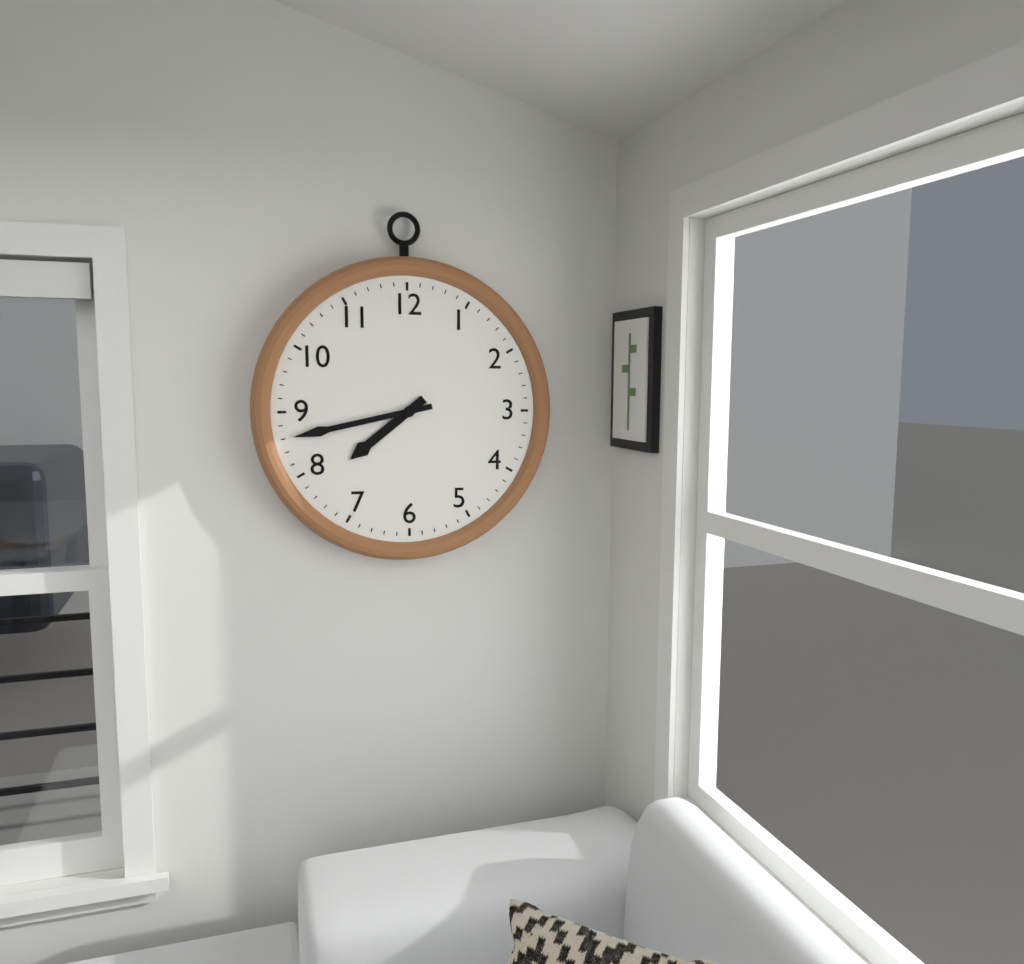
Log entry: 7:43
